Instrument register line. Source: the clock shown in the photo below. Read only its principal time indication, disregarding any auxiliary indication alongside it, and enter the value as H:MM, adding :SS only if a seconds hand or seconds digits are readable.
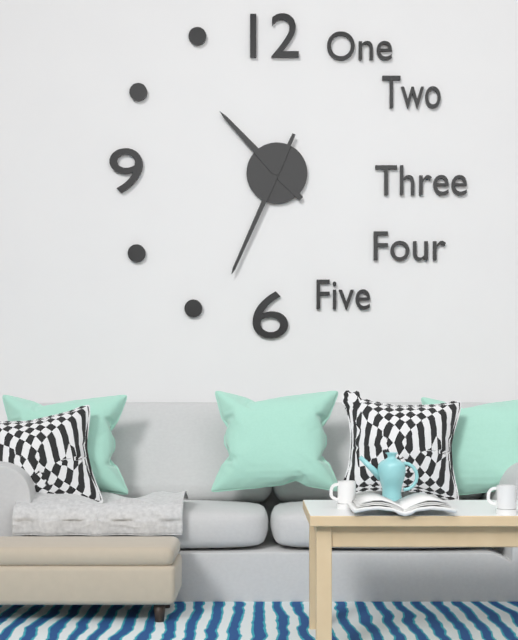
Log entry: 10:34
